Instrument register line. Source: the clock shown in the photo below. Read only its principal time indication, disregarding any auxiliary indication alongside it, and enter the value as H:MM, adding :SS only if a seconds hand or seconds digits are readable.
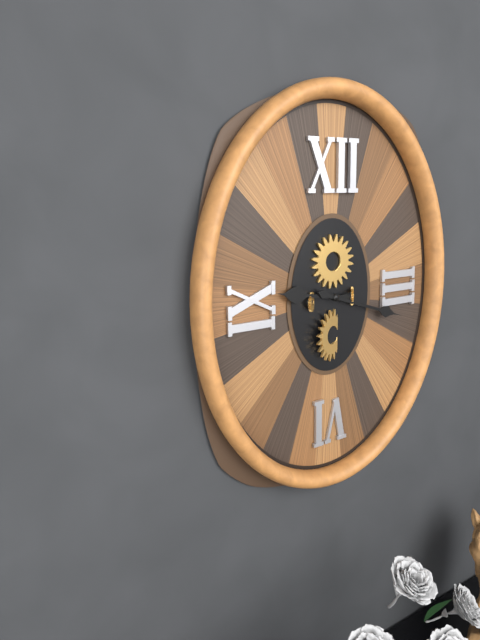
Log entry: 9:18
